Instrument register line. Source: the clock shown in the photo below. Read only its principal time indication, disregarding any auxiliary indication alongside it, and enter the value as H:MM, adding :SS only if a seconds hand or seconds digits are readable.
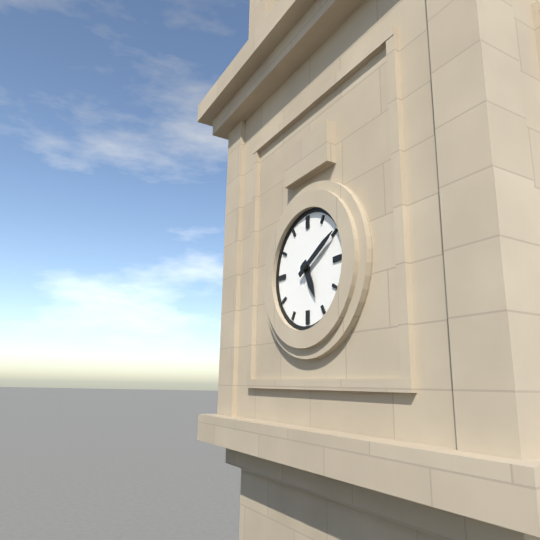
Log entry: 5:10
